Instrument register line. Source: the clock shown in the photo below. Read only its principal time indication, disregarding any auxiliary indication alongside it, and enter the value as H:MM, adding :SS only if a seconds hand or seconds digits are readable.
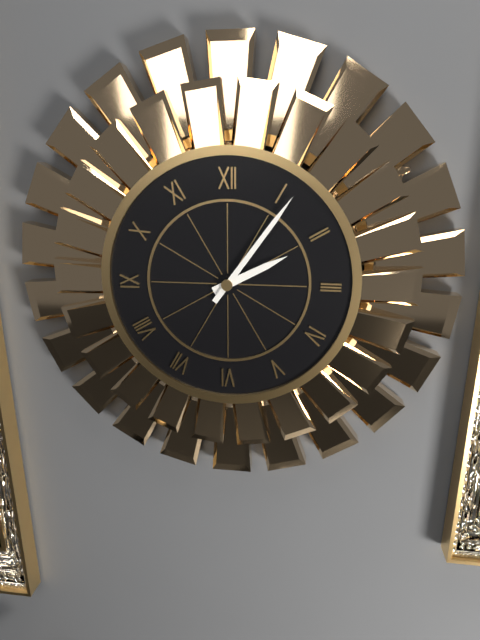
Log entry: 2:06
